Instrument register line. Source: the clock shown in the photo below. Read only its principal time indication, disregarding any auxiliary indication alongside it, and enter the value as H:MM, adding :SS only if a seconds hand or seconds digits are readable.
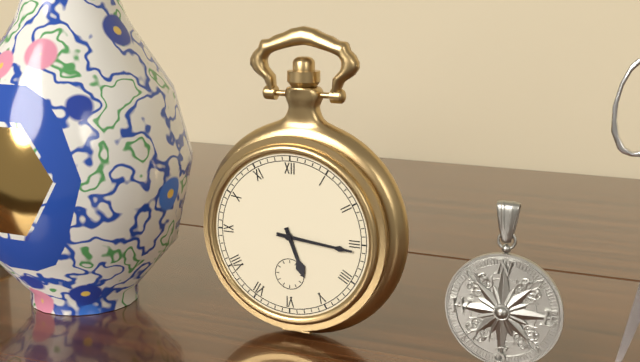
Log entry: 5:16
